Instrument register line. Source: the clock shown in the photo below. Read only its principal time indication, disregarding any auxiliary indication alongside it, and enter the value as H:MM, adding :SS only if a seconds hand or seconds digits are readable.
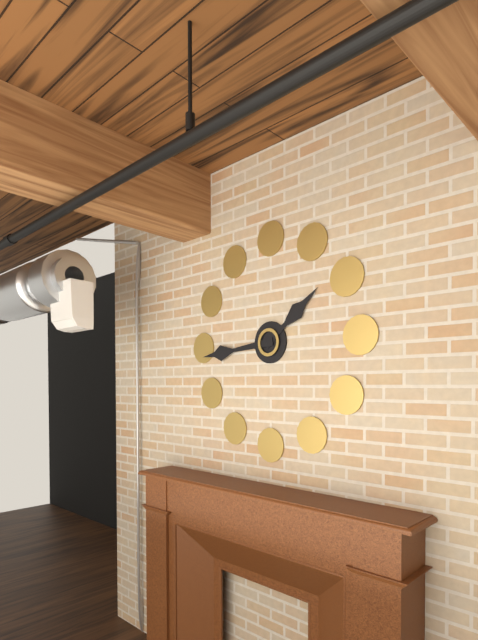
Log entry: 1:44
